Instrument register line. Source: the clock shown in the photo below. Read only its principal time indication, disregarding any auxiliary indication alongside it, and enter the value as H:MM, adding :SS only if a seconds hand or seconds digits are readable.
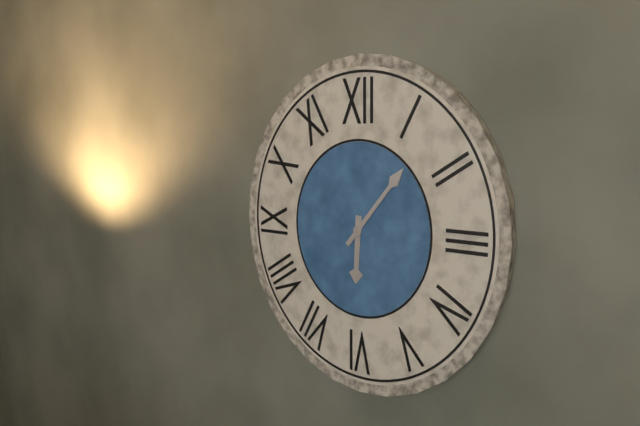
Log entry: 6:07
